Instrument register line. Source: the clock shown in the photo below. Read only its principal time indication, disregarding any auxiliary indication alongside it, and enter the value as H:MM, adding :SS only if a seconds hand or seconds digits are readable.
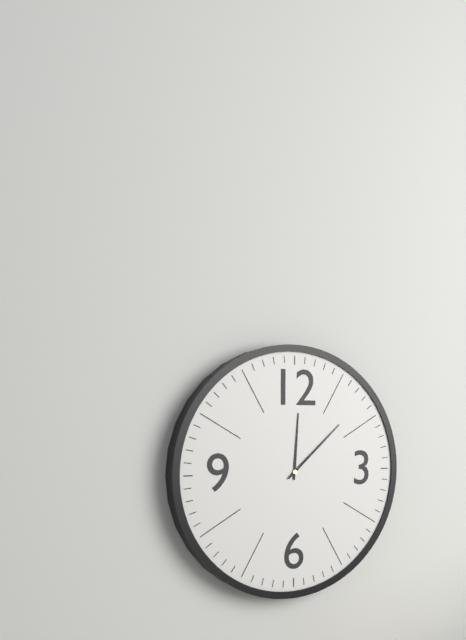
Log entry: 12:08
